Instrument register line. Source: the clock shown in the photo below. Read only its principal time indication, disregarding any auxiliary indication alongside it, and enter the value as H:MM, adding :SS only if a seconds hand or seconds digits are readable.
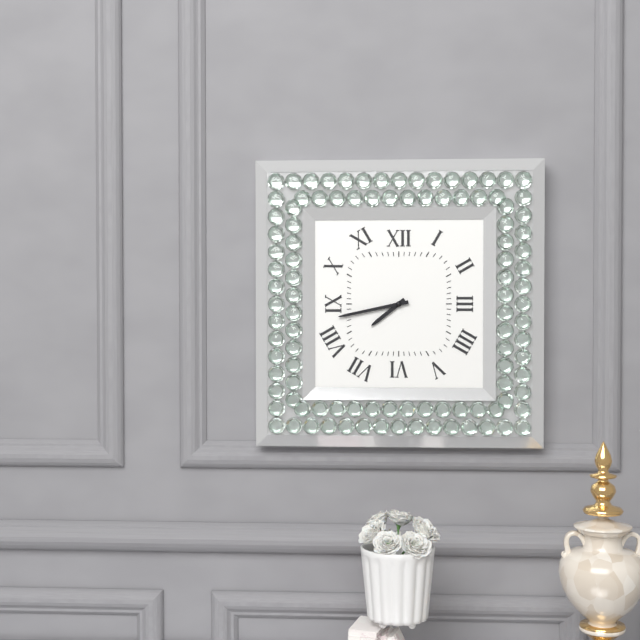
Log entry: 7:43
